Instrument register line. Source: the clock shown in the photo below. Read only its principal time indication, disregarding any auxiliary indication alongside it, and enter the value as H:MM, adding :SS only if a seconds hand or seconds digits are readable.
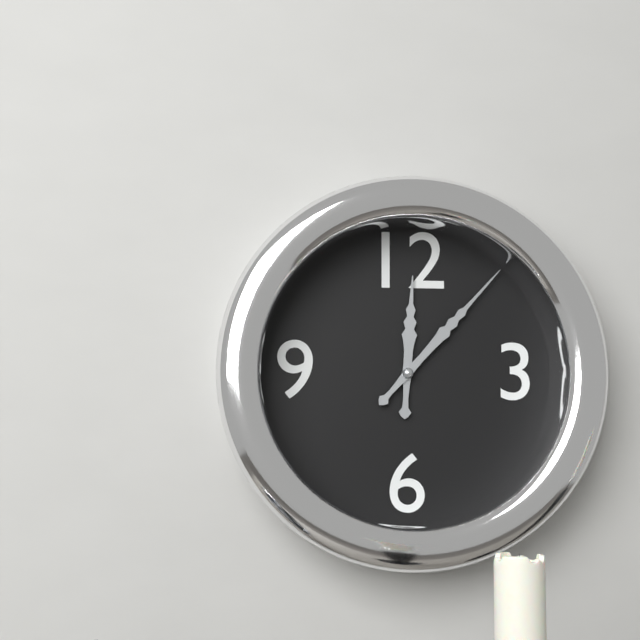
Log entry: 12:07
